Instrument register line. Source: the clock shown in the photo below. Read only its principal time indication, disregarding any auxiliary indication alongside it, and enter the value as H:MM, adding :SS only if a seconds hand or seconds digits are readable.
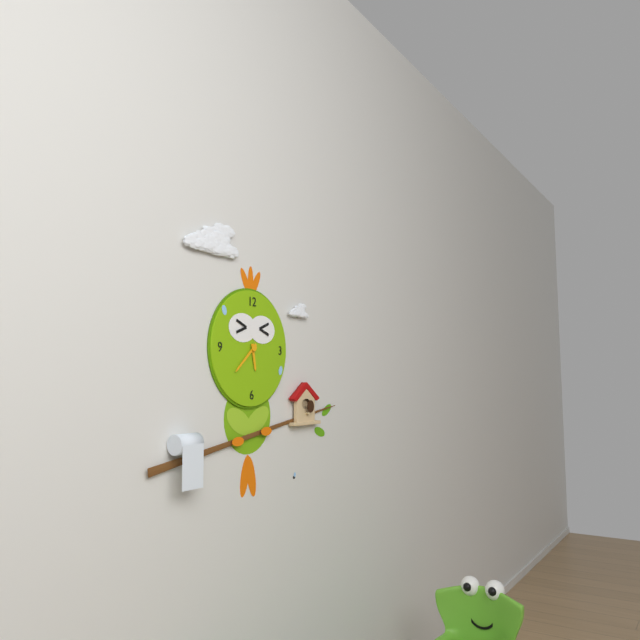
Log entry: 5:38
